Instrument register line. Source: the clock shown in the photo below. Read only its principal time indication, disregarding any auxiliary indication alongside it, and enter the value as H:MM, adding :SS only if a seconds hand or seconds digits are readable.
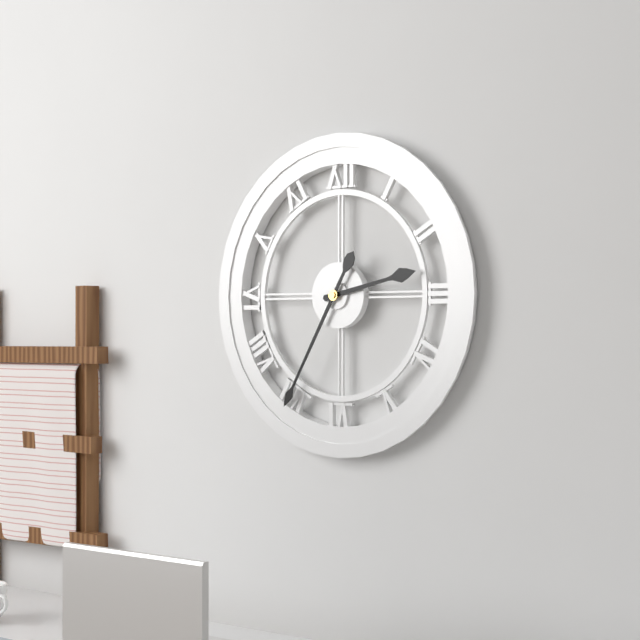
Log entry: 2:35
